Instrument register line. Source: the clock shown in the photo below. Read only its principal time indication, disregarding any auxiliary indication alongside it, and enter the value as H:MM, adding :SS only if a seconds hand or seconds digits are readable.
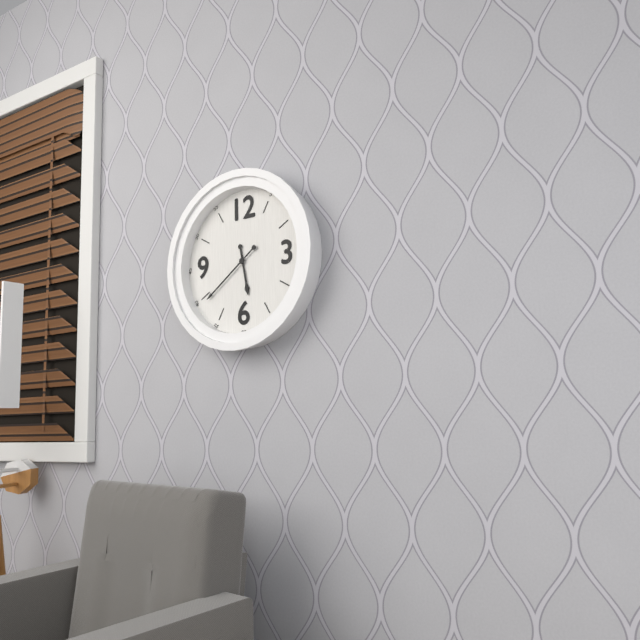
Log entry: 5:39
